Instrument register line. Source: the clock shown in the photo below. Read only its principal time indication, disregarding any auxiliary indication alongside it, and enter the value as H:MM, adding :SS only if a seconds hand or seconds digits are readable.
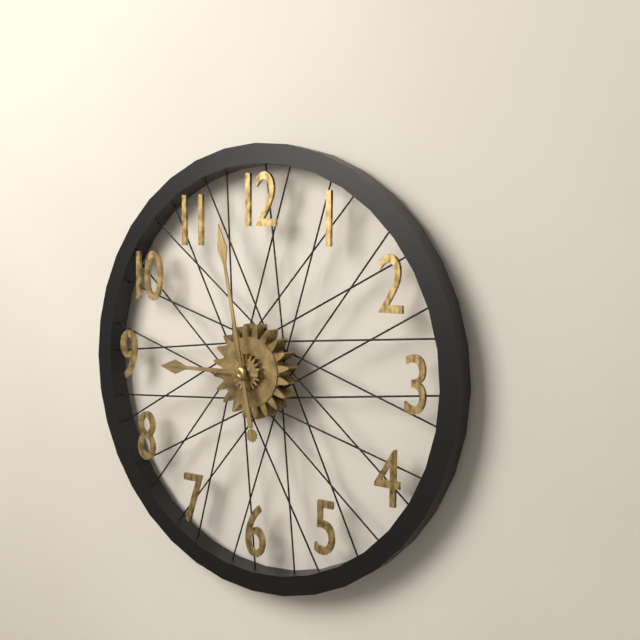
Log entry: 8:58
